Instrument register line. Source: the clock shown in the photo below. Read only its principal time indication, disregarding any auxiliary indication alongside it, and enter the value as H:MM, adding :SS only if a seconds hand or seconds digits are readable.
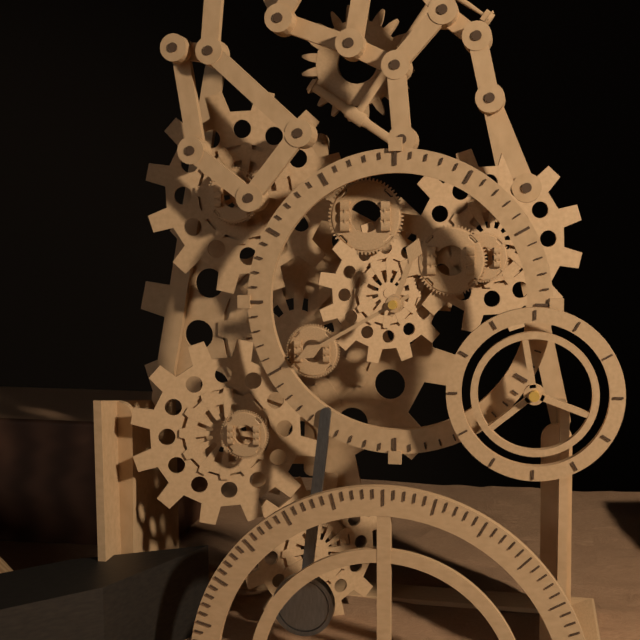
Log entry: 12:40
